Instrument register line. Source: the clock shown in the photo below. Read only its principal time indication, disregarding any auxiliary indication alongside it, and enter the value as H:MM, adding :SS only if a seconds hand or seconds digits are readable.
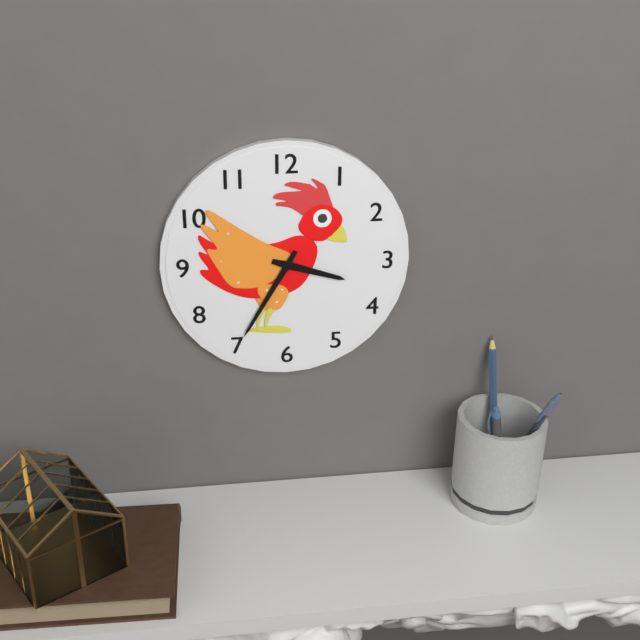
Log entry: 3:35
